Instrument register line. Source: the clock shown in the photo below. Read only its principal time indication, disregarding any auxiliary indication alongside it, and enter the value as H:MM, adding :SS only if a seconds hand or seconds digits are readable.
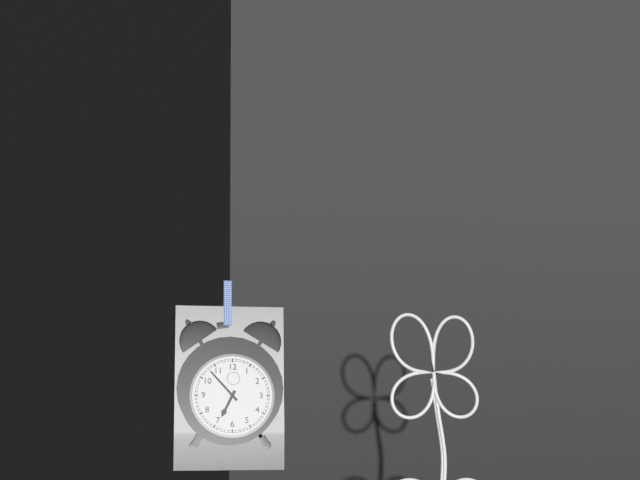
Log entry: 6:53
